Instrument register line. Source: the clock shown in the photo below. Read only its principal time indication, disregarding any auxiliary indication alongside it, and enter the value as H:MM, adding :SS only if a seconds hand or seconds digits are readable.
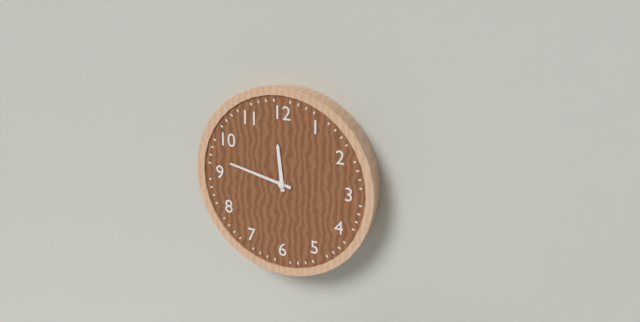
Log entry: 11:47
